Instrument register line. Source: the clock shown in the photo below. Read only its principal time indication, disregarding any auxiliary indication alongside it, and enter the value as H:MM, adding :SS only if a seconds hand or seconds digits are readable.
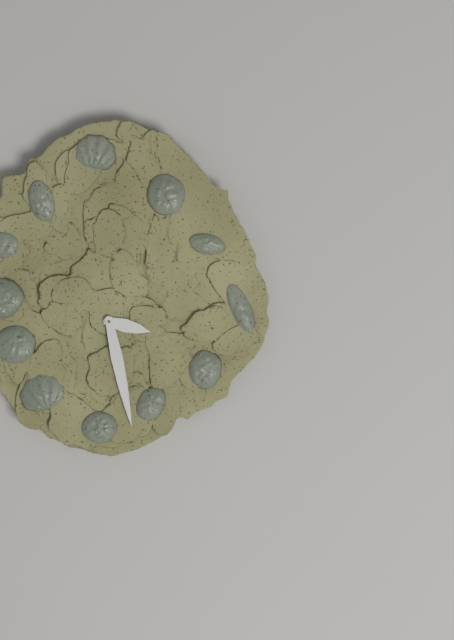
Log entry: 3:28
